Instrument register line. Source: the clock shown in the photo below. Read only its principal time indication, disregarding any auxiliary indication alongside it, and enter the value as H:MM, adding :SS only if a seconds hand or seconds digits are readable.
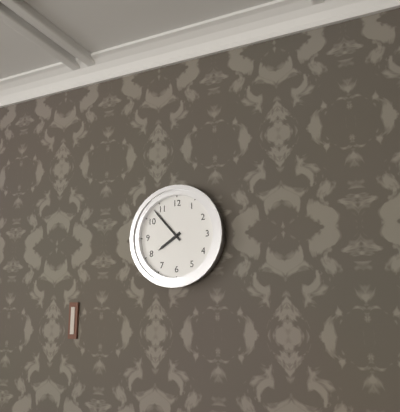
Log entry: 7:53
